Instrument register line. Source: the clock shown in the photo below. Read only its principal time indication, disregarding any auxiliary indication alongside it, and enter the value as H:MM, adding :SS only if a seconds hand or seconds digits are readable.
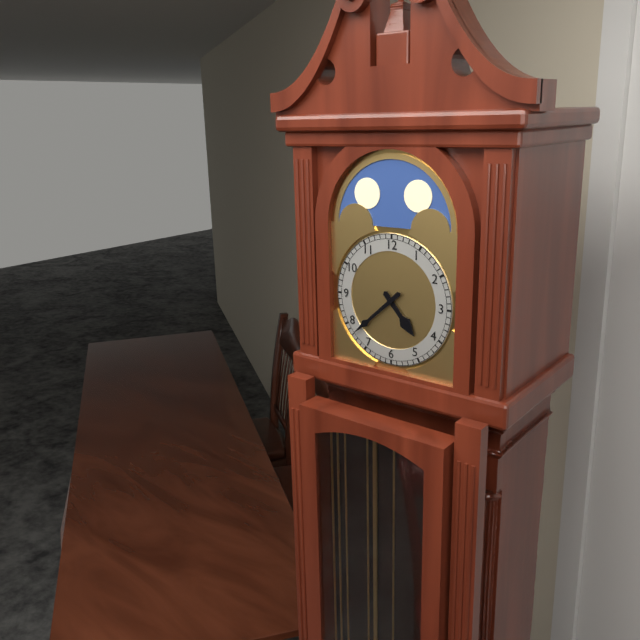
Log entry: 4:38
